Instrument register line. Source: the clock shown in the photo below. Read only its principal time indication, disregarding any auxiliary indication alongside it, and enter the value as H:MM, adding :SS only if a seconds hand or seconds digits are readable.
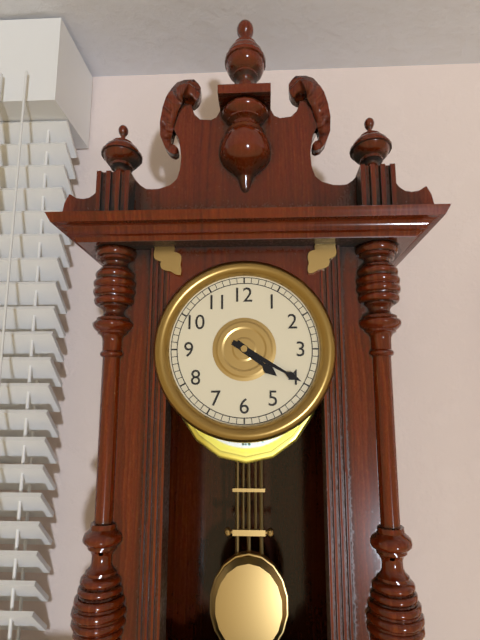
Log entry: 4:20
